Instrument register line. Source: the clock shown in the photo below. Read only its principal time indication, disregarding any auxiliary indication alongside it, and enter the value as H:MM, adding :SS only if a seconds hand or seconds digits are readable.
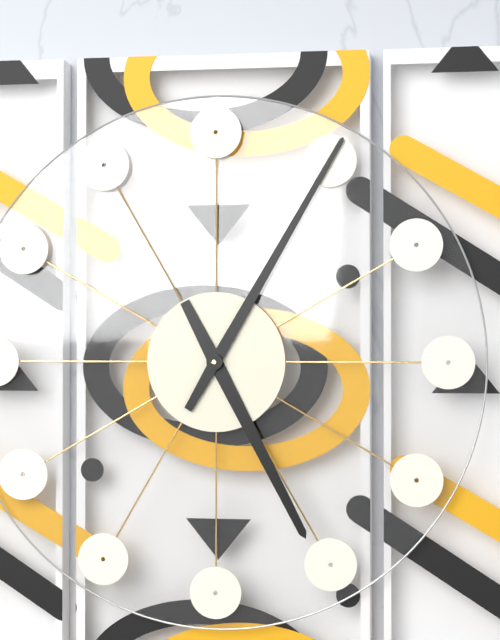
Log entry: 5:05
